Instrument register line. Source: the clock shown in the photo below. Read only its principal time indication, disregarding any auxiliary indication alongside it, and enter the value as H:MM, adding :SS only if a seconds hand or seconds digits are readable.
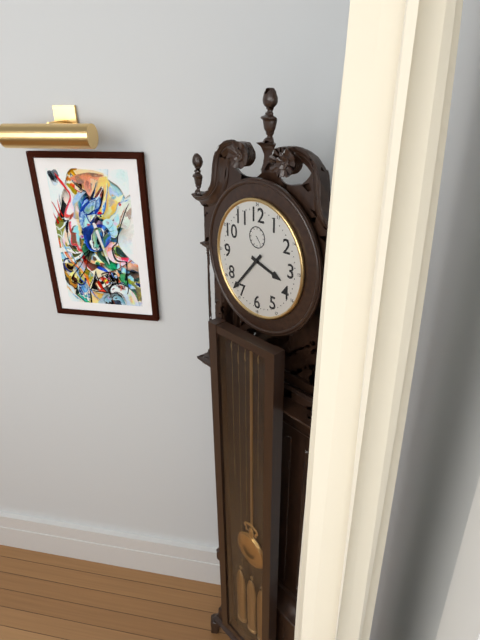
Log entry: 3:37
